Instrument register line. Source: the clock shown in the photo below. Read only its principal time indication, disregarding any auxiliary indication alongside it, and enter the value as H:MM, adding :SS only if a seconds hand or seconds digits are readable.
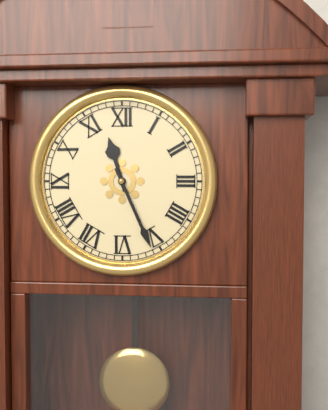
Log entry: 11:26
